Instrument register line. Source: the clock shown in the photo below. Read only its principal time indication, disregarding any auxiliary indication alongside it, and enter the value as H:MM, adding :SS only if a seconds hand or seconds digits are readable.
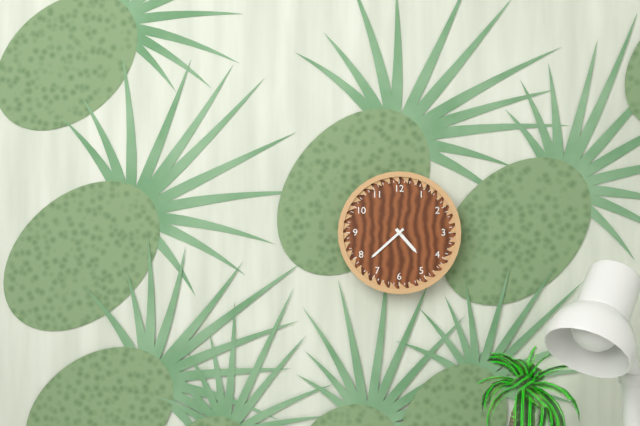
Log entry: 4:38
